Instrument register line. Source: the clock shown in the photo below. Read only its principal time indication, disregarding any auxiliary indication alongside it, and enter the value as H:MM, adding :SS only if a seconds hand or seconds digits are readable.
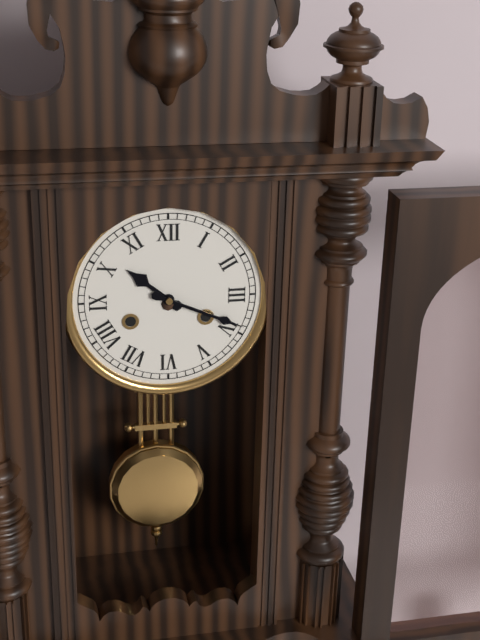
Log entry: 10:19
